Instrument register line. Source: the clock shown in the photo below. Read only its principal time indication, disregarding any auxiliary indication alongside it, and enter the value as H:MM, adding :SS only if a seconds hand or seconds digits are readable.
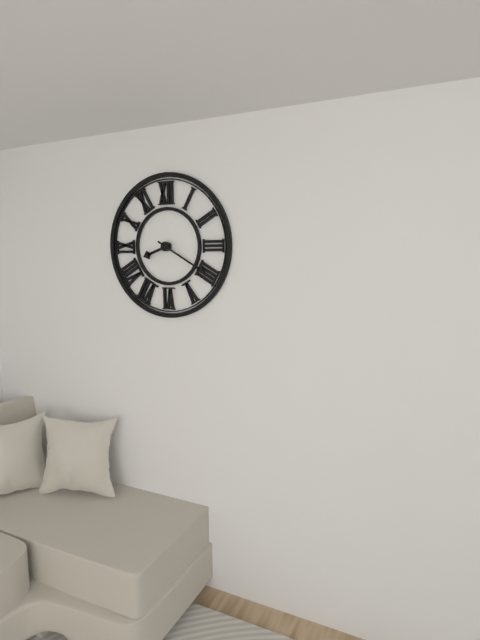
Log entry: 8:20
